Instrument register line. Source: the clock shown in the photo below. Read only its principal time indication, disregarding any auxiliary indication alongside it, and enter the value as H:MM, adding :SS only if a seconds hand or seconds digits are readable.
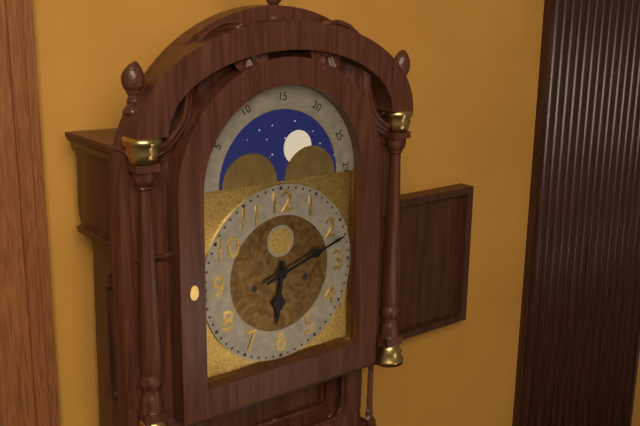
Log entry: 6:12
